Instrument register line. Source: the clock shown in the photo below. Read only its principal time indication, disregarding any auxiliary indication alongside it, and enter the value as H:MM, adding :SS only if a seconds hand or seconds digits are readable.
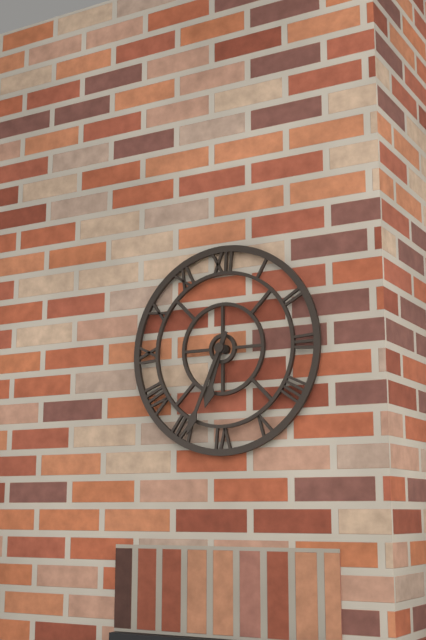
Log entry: 6:34
